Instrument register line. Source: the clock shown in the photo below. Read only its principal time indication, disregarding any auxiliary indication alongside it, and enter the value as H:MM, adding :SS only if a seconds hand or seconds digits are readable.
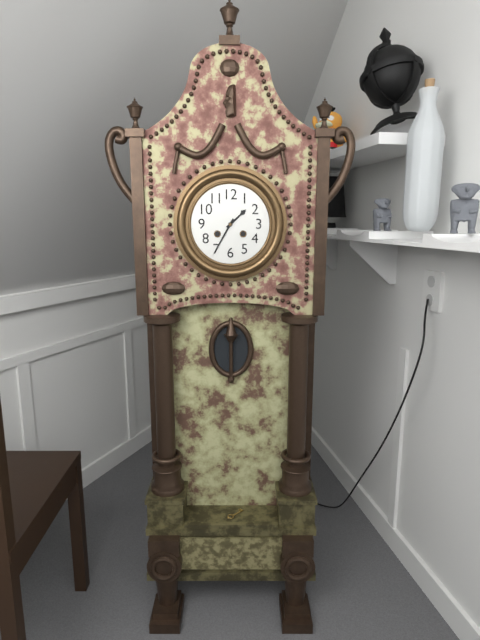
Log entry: 1:35
